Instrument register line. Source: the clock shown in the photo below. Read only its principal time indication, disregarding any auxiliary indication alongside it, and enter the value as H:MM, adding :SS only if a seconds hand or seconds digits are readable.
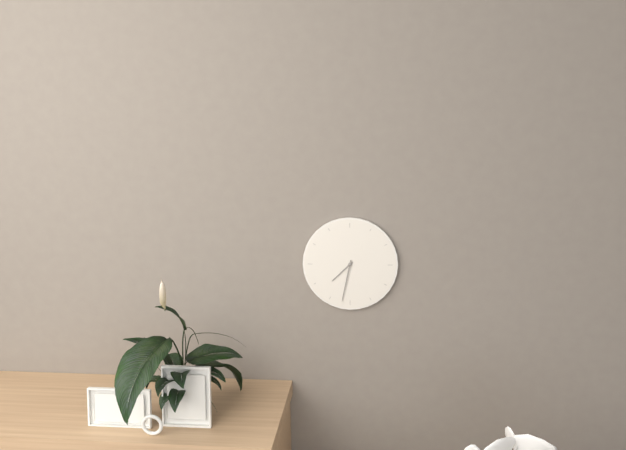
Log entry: 7:32
